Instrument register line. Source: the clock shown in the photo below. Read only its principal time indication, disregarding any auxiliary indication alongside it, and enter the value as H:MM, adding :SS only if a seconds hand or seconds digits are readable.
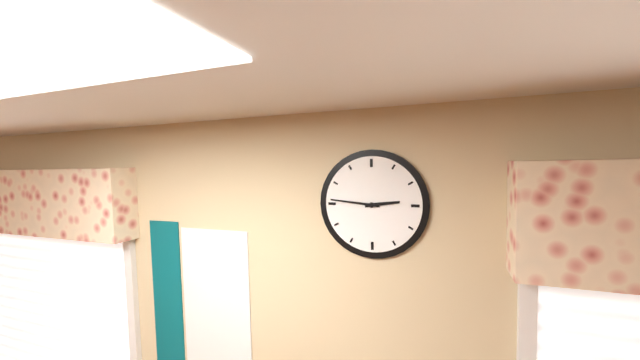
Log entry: 2:46
